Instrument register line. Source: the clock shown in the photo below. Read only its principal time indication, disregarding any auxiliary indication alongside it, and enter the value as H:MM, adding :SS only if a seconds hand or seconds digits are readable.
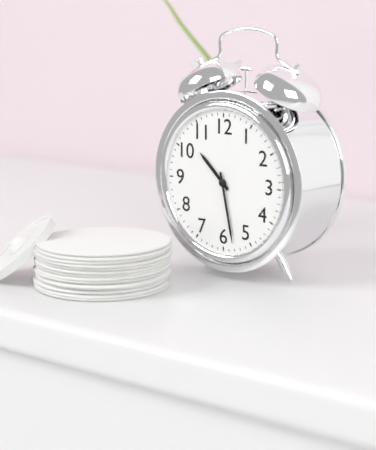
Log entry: 10:28
